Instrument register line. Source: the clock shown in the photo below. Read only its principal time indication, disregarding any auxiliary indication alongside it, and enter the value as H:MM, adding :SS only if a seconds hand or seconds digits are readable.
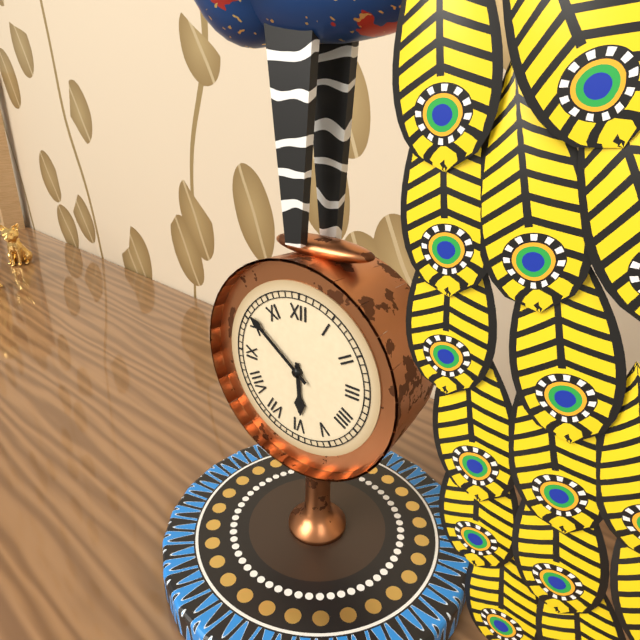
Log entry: 5:51
